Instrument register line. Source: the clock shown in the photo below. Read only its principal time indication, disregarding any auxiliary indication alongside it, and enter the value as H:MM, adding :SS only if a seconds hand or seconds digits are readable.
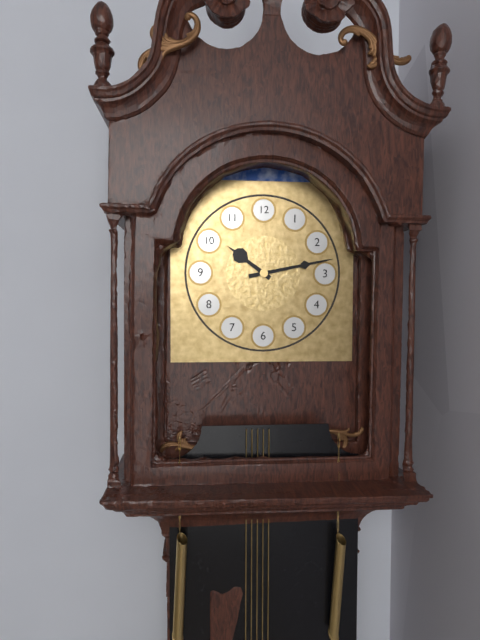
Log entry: 10:13
